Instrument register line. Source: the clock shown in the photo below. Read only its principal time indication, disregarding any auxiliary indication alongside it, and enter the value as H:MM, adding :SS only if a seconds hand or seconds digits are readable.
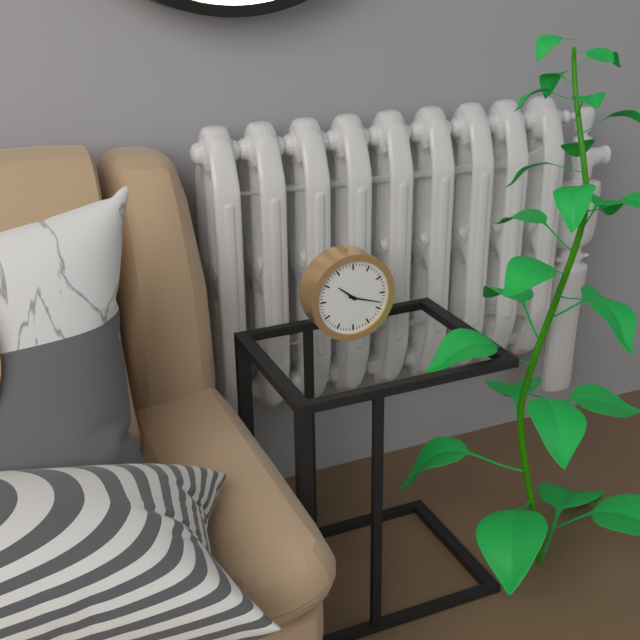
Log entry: 10:18
